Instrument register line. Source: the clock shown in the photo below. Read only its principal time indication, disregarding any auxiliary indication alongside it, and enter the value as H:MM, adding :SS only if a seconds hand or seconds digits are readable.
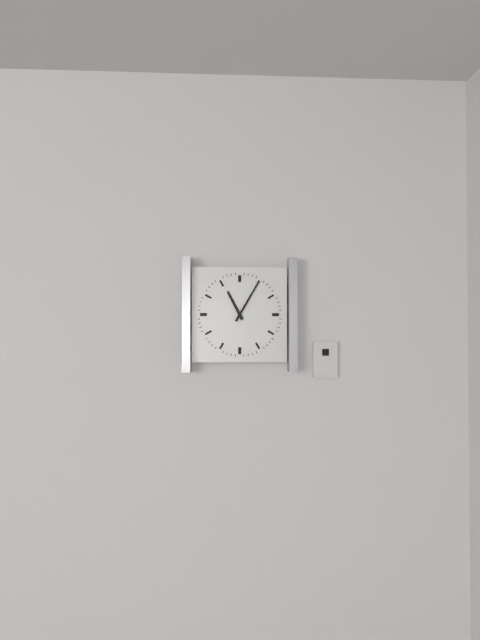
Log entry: 11:05
